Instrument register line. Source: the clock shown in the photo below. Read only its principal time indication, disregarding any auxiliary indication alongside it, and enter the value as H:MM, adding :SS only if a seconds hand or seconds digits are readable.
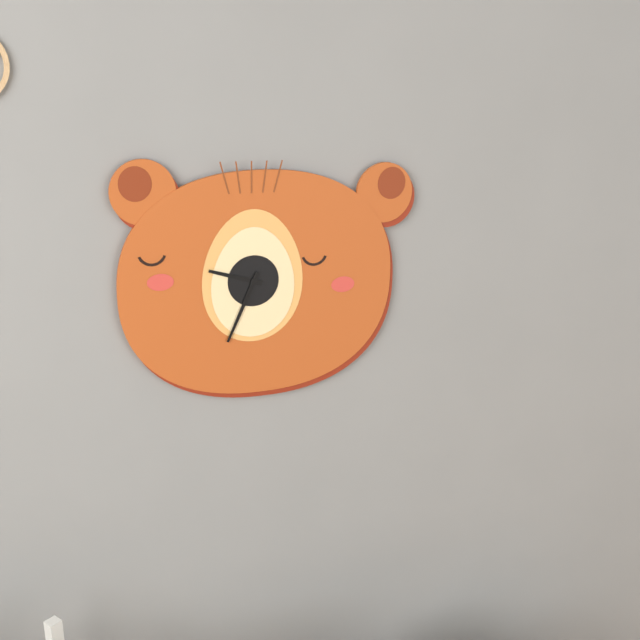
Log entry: 9:34
